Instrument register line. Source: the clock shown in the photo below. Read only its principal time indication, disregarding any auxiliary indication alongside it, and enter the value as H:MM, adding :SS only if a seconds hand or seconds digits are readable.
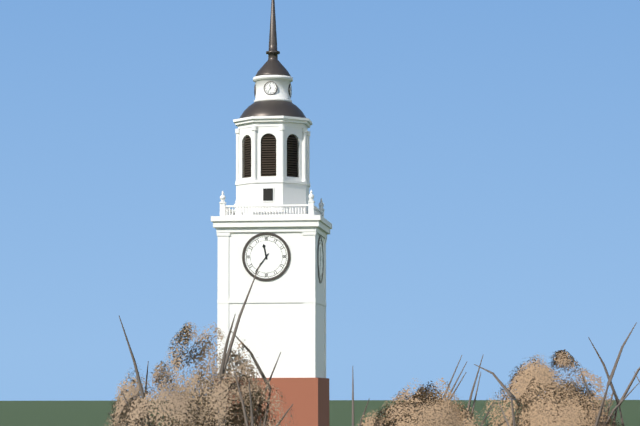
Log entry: 11:36
